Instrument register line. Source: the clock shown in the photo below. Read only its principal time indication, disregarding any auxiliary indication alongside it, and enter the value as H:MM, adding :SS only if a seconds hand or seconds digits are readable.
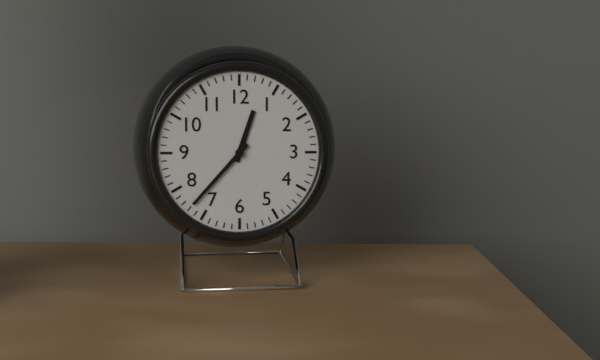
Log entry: 12:37
